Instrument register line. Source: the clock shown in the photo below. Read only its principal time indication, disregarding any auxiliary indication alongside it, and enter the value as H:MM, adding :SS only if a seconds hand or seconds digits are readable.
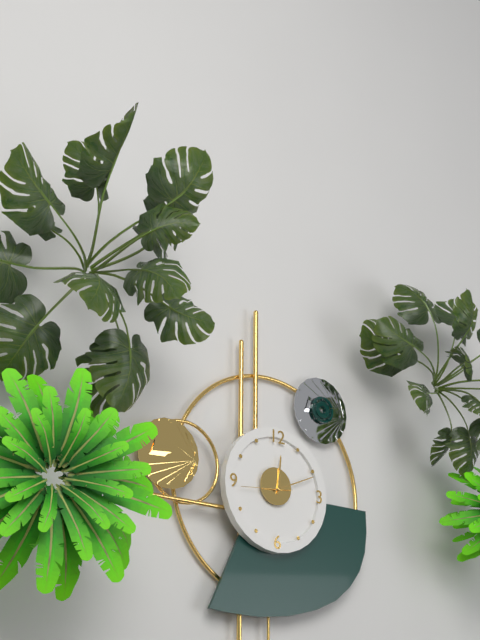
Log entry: 12:11
